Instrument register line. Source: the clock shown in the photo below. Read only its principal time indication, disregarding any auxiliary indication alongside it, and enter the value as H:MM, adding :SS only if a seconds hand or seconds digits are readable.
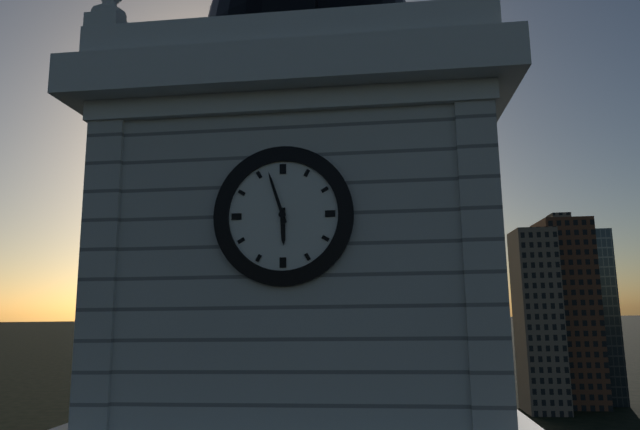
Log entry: 5:57
